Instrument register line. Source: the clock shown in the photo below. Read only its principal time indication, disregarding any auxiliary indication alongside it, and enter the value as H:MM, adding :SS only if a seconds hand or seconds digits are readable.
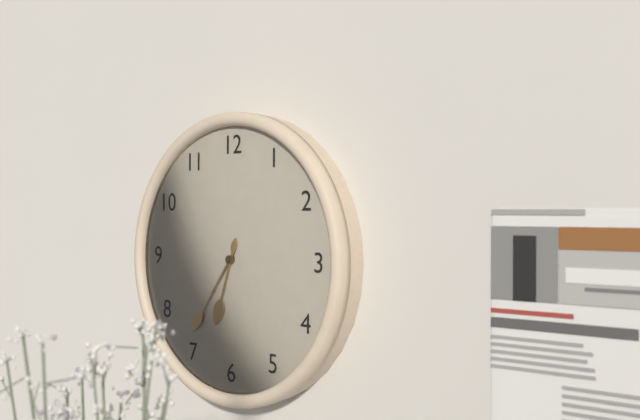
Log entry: 6:36
